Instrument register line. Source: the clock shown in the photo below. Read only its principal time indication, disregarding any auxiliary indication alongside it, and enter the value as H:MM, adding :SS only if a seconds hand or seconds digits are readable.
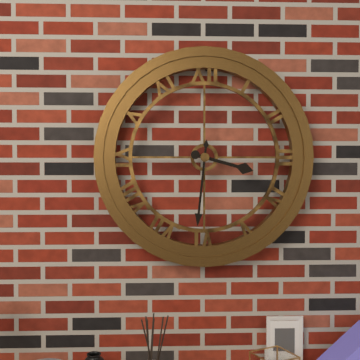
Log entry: 3:31
